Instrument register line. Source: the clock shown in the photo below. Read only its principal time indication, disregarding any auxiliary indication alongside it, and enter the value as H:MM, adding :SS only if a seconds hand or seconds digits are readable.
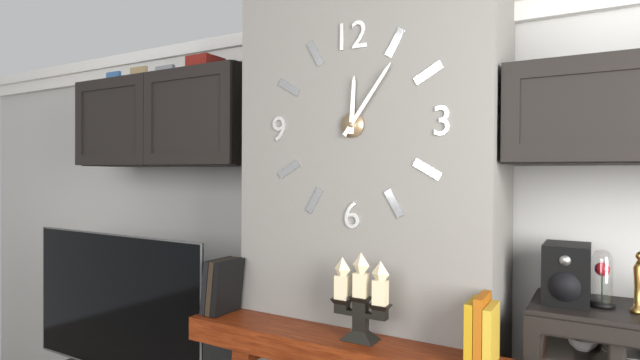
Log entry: 12:06
